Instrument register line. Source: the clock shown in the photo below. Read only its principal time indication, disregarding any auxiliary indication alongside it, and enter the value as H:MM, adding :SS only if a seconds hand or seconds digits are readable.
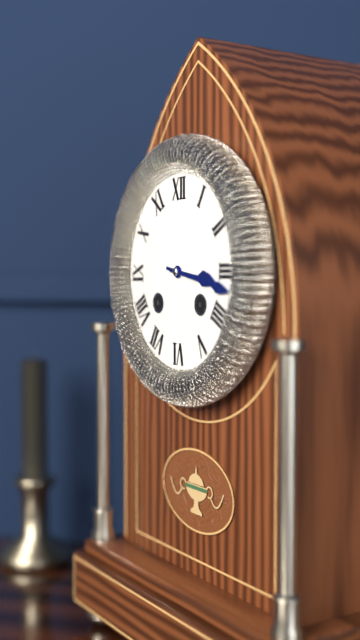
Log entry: 3:17
